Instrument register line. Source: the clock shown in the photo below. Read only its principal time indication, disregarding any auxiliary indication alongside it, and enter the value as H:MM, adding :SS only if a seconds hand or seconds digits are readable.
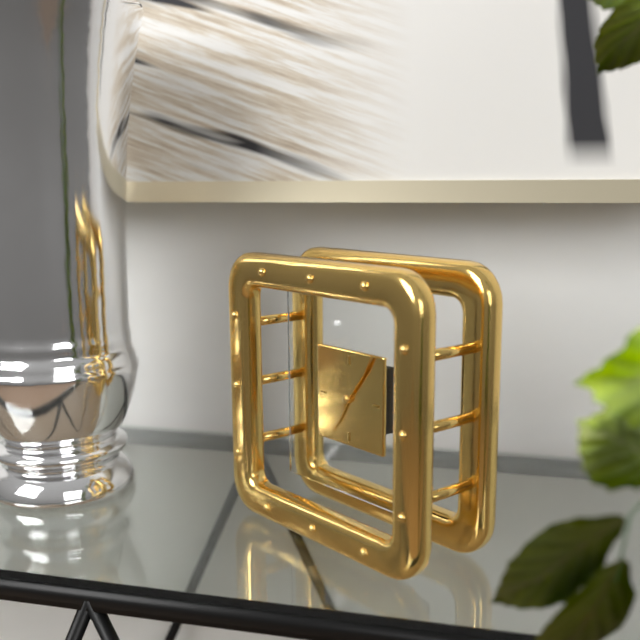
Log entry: 7:06
